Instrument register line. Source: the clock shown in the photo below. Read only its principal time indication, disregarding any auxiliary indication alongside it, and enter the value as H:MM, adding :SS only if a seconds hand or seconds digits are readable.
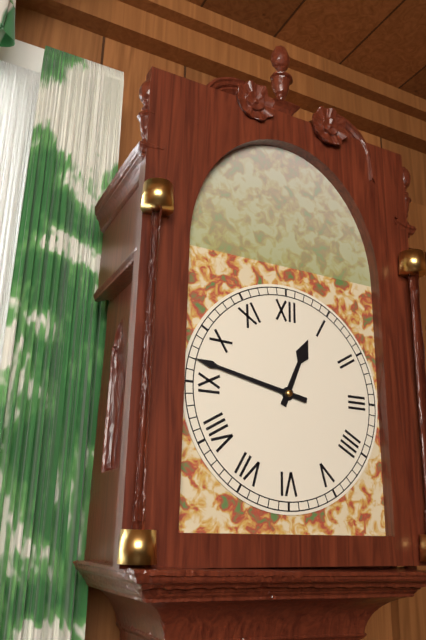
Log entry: 12:47
